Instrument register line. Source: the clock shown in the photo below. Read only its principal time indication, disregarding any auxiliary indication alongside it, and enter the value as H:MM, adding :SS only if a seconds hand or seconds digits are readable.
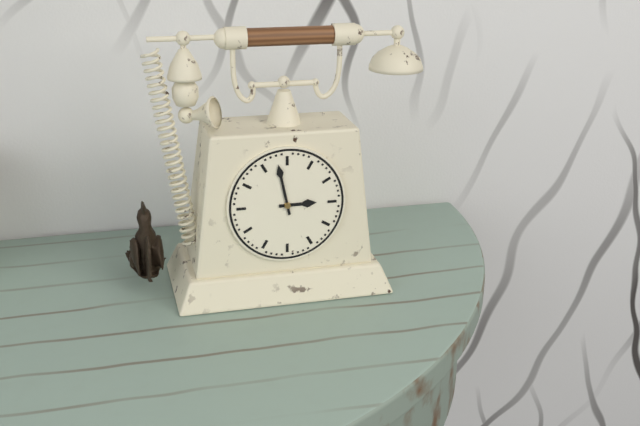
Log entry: 2:58
